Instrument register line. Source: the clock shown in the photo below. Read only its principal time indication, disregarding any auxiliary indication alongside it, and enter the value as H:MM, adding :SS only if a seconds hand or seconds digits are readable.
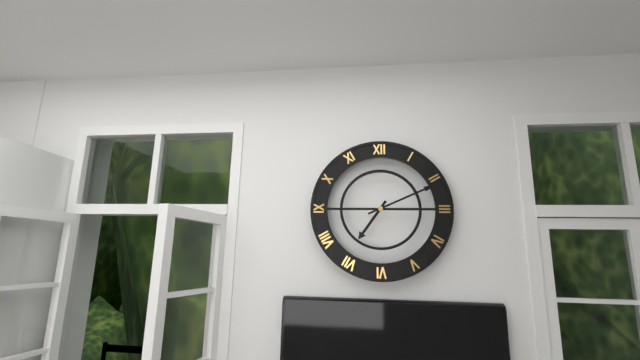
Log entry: 7:11
